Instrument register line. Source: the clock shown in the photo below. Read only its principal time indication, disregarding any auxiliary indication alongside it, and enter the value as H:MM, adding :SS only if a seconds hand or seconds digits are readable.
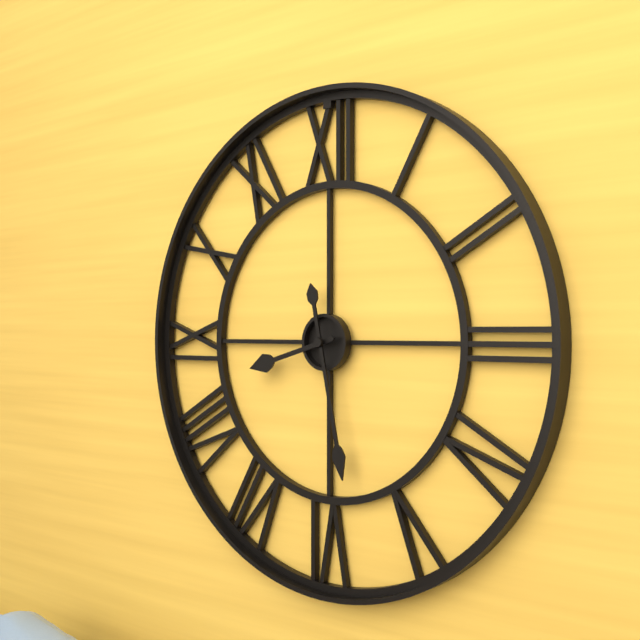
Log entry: 8:28
